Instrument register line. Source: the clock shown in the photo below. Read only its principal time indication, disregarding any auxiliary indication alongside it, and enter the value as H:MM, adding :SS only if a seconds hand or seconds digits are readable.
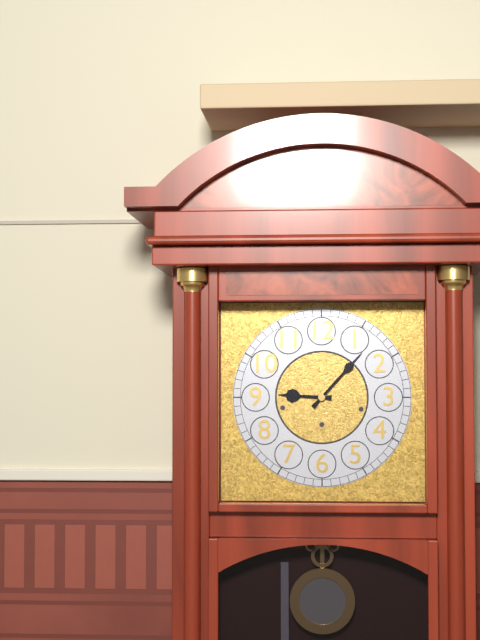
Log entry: 9:07
